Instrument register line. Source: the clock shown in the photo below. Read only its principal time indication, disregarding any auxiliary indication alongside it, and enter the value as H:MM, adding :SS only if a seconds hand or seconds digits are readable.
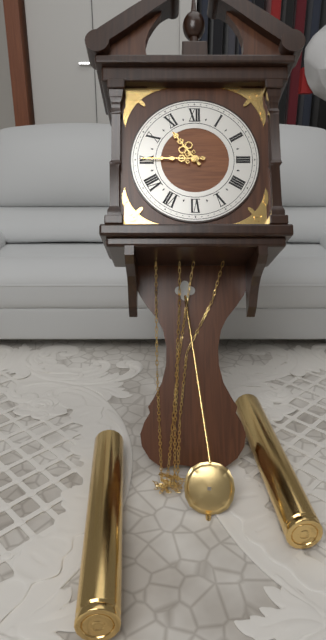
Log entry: 10:45
